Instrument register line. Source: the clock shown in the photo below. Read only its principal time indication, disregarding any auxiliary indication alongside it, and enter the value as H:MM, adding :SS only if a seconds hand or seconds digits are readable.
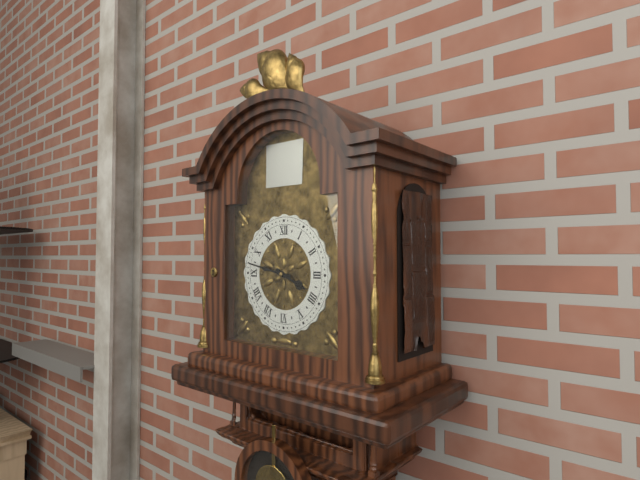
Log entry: 3:47
